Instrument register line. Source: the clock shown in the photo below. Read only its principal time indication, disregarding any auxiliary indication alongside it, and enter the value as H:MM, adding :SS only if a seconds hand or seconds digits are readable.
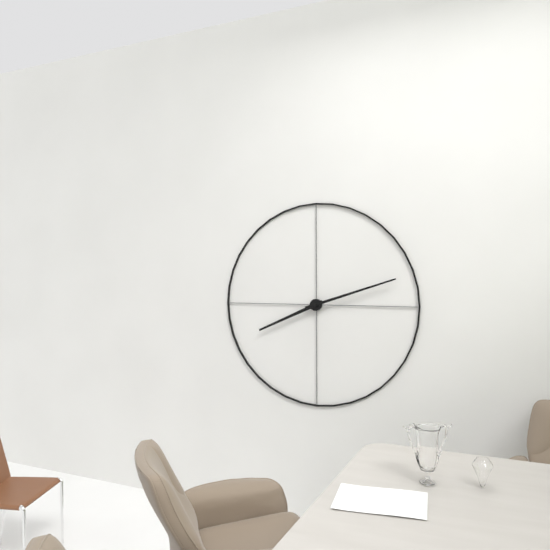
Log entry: 8:12
